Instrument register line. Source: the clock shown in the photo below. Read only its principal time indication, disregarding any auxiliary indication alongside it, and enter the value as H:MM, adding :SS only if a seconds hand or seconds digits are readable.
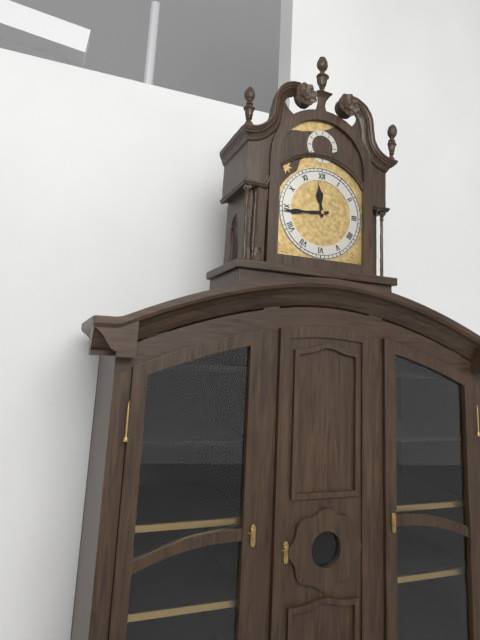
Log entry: 11:44
